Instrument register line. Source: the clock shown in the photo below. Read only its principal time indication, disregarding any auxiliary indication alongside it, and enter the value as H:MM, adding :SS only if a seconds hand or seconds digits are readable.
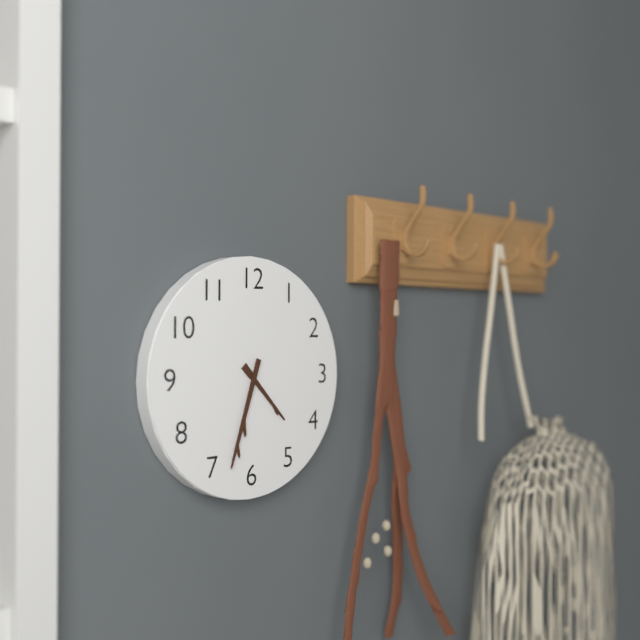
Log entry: 4:33
